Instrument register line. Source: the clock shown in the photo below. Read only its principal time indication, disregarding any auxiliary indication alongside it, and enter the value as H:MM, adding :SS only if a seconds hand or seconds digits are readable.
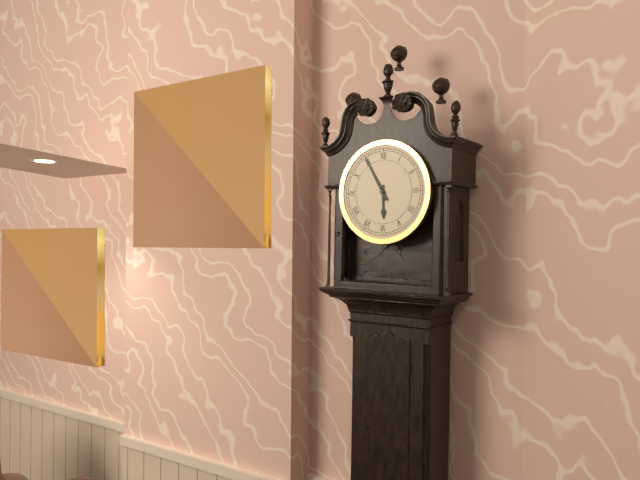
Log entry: 5:55
